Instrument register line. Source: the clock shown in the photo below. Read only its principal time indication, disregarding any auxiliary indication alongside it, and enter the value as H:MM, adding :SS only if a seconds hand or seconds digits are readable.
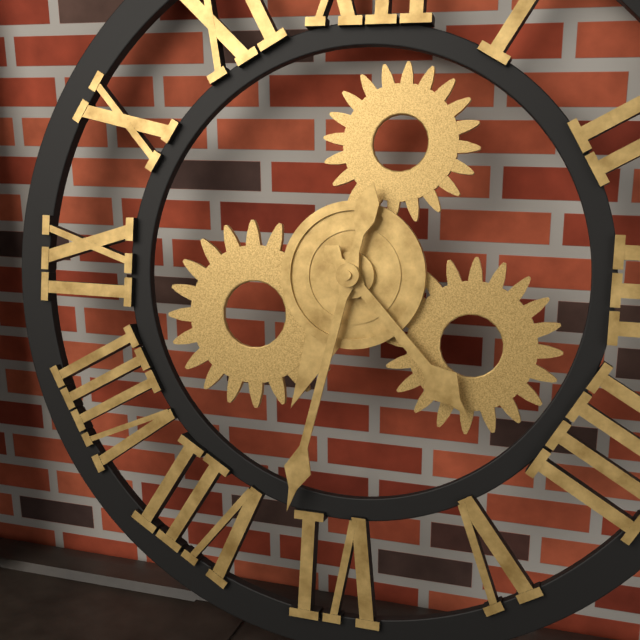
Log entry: 4:32
